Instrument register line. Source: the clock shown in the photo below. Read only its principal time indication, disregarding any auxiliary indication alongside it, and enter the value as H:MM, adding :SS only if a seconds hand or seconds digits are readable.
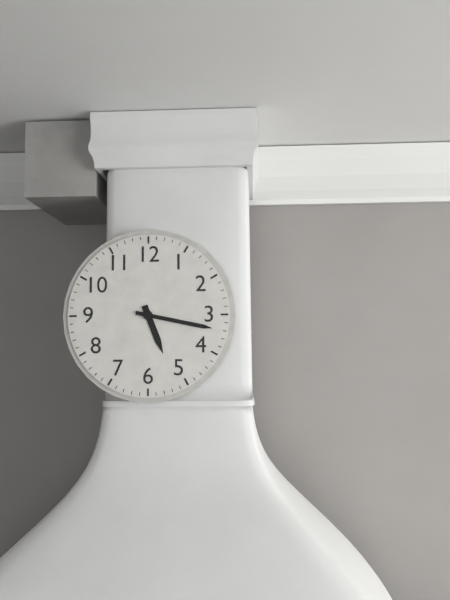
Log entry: 5:17
